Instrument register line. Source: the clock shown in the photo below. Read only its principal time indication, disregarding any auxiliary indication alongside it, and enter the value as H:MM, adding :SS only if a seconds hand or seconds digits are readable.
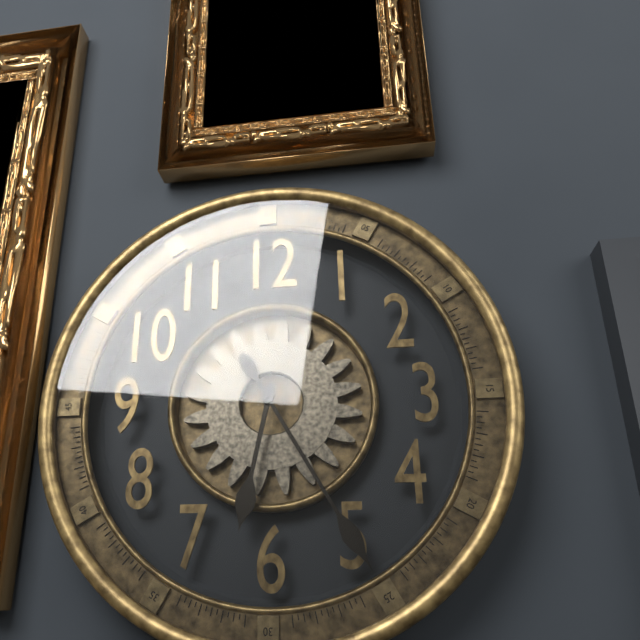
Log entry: 6:25
